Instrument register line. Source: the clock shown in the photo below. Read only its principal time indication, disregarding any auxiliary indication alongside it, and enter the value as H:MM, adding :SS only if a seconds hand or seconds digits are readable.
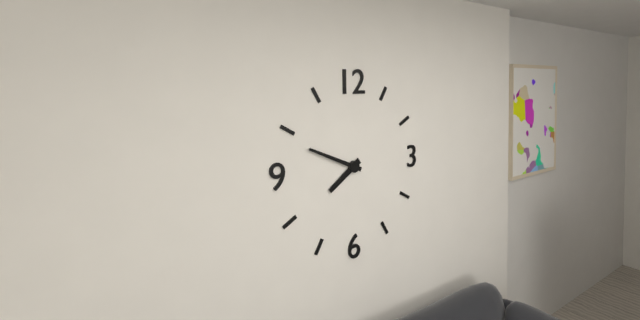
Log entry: 7:49
